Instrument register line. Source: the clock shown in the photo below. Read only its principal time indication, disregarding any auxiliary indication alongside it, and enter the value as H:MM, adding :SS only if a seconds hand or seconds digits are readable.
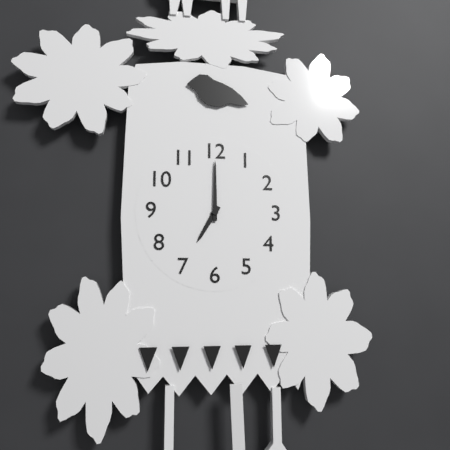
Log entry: 7:00
